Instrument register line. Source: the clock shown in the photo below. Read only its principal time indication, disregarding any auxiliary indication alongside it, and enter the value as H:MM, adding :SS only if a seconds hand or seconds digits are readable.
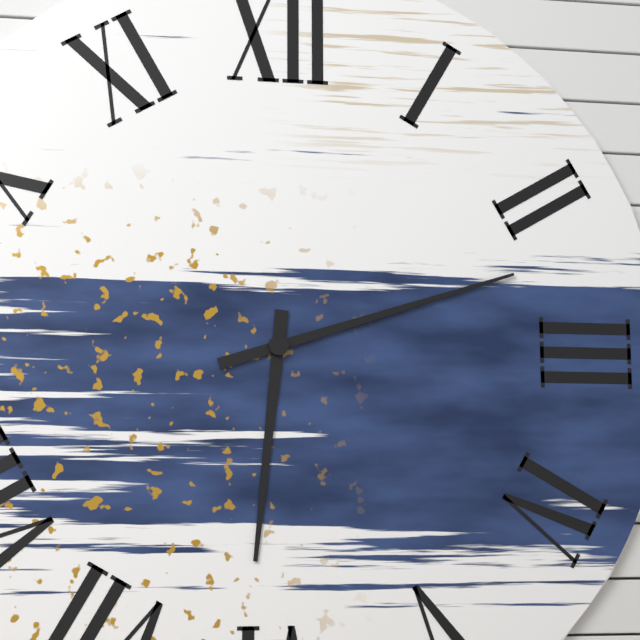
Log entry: 6:12
